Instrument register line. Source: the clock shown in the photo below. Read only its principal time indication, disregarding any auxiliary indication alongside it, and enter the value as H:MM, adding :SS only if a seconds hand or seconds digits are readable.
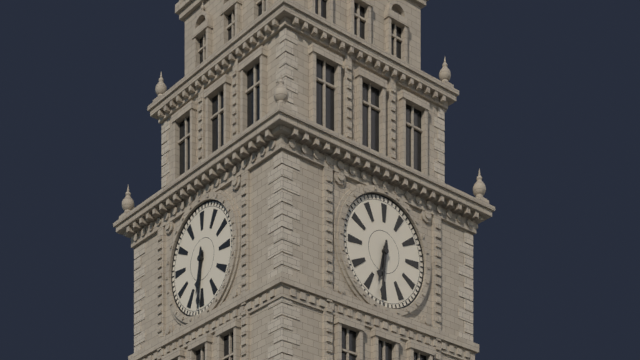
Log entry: 6:31
